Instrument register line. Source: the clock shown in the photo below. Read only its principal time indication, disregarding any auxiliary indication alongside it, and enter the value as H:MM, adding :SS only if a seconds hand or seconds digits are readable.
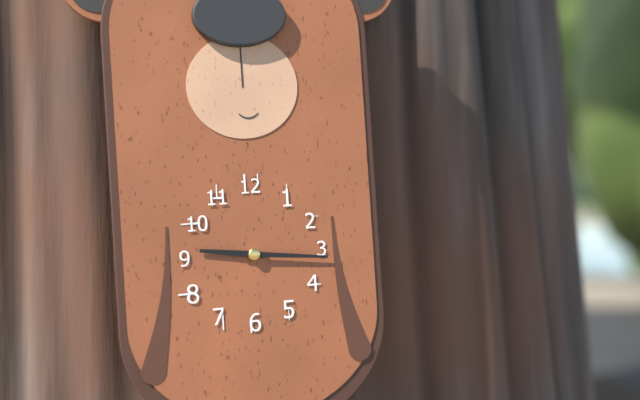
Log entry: 9:16
